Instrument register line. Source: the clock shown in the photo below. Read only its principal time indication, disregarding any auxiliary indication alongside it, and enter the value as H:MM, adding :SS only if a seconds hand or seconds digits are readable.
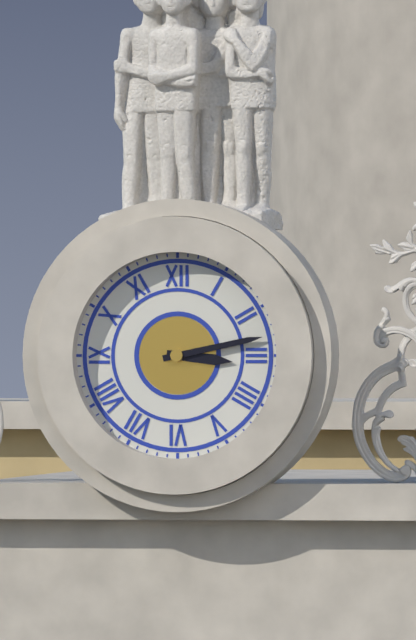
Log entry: 3:13
